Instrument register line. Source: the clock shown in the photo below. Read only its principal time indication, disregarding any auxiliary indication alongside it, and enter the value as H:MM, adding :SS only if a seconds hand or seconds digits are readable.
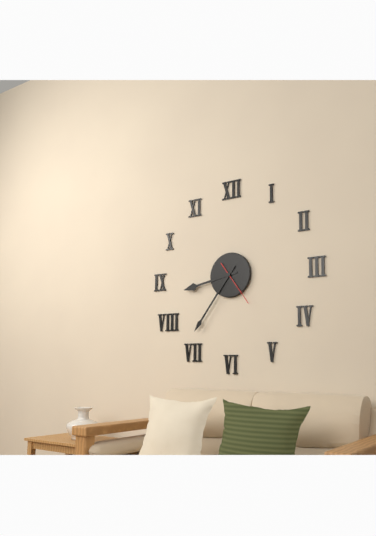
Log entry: 8:36
